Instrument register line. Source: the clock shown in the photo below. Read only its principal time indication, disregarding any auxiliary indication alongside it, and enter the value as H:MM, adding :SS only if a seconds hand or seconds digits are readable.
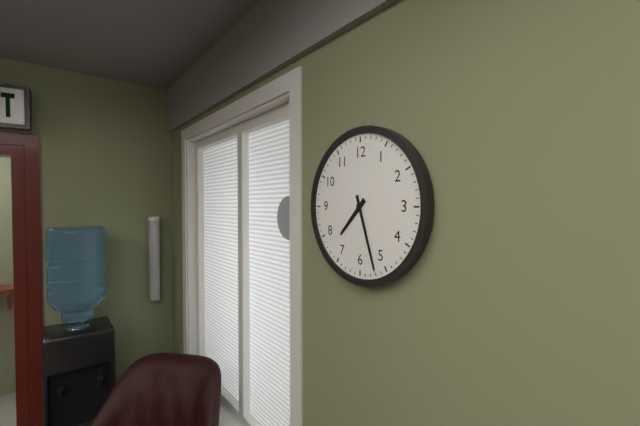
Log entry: 7:27
